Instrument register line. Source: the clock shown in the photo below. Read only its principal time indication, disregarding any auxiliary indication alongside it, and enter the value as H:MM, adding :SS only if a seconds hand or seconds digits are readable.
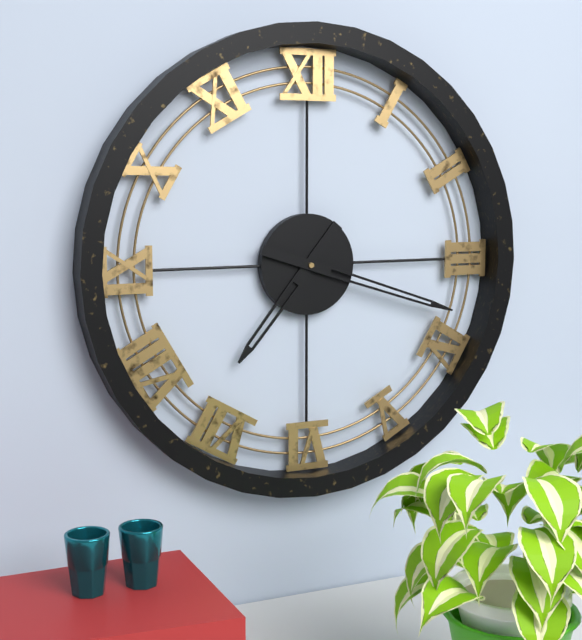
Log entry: 7:18
